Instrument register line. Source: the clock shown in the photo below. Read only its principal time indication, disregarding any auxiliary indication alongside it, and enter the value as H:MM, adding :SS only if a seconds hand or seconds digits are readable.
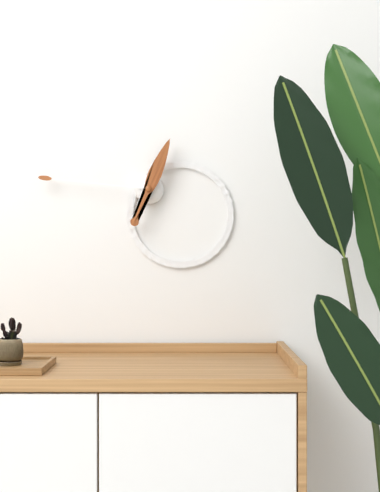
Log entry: 12:46
